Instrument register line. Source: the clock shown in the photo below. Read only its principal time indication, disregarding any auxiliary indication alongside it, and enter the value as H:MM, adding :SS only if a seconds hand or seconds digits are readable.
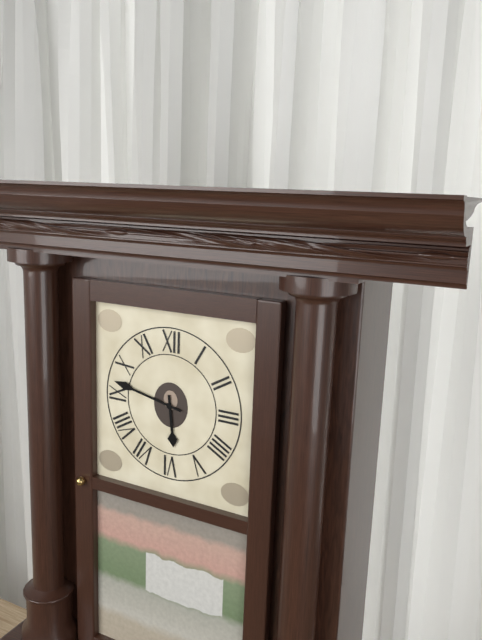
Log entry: 5:47
